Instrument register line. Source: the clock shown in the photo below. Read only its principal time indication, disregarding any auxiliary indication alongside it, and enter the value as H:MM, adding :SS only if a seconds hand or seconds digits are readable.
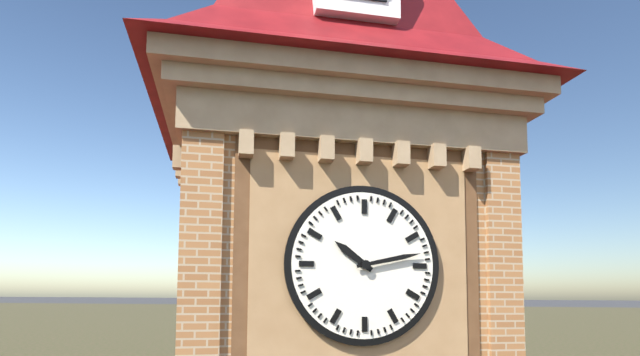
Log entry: 10:13
